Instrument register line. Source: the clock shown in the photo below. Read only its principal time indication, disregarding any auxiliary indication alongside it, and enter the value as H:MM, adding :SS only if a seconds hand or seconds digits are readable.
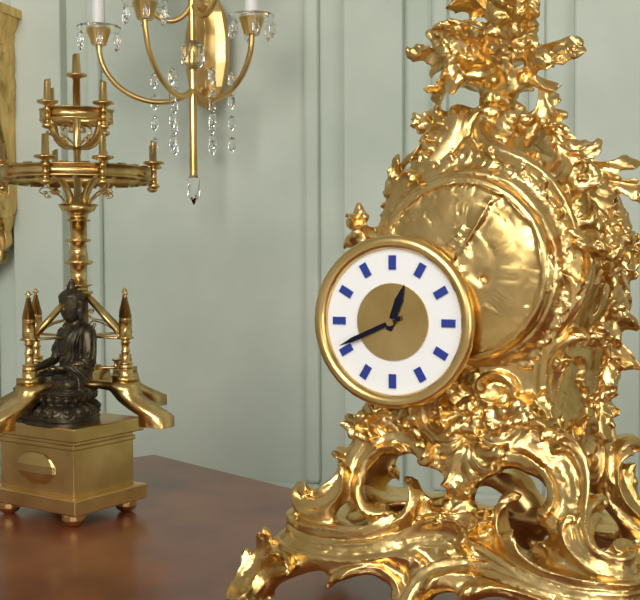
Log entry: 12:41
